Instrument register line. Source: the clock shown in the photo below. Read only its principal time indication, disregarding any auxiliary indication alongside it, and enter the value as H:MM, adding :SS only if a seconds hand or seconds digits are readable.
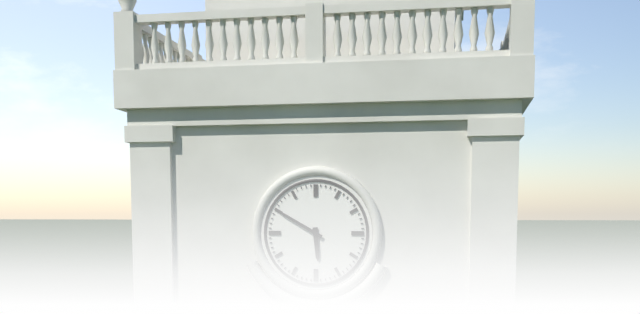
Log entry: 5:50
